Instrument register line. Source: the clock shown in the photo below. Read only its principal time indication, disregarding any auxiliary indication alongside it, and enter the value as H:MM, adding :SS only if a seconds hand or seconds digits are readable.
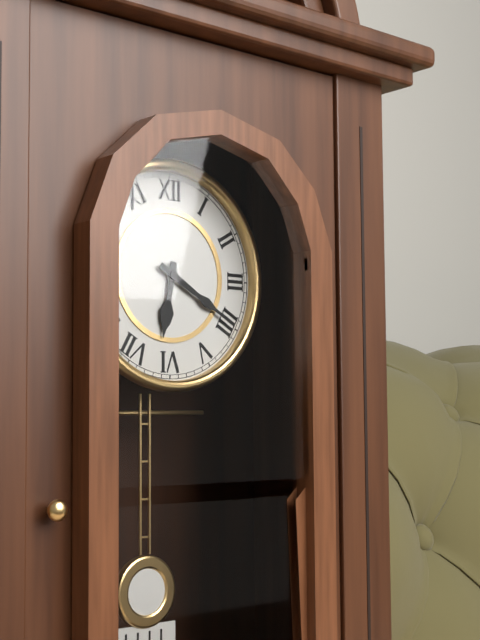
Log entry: 6:20
